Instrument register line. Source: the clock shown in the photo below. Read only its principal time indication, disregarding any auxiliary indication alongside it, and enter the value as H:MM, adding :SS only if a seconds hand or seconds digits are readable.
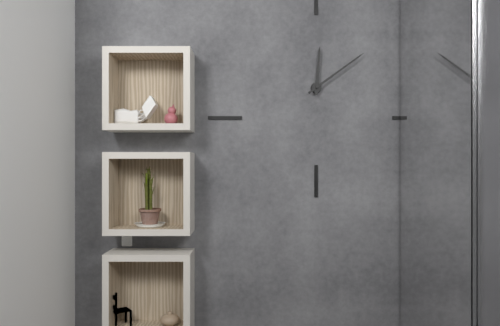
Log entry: 12:09
